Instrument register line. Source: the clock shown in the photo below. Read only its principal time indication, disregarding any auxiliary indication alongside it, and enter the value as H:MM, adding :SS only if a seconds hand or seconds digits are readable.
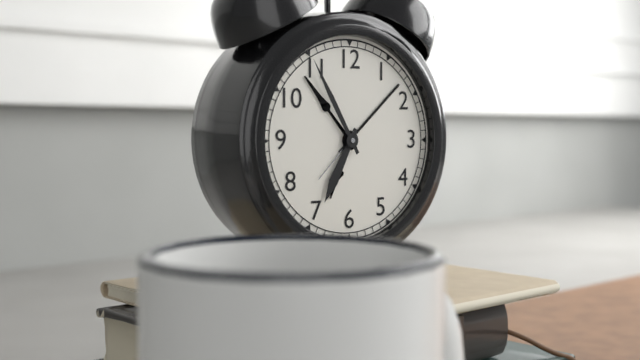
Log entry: 6:55
